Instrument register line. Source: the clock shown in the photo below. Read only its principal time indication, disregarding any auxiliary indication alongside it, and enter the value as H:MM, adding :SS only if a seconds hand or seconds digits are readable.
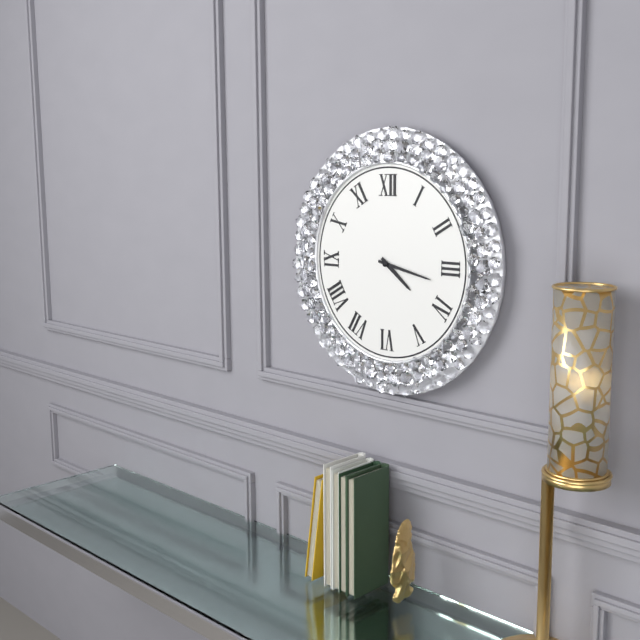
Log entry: 4:17
